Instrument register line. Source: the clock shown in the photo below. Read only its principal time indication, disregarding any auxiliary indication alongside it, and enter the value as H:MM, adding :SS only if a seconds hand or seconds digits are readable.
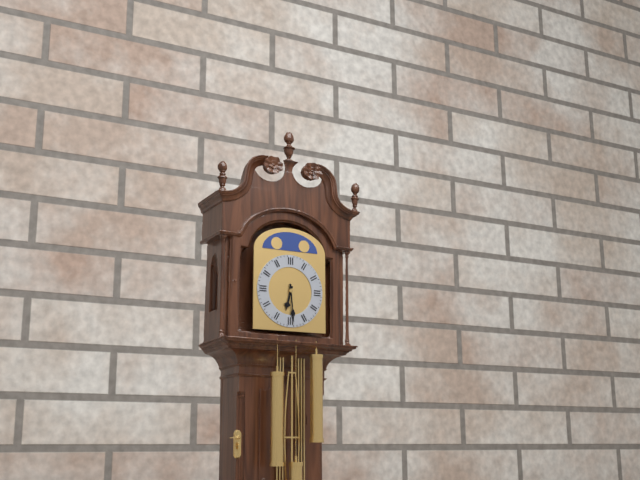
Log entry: 6:29
